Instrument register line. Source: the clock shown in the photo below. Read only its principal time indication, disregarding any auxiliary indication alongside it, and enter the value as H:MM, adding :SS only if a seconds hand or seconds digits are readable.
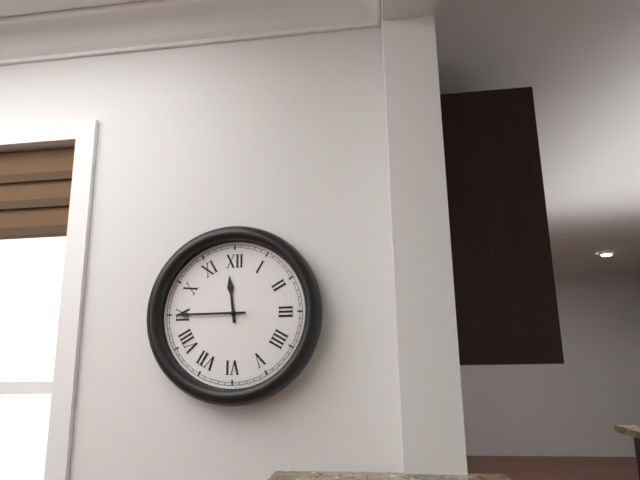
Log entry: 11:45
